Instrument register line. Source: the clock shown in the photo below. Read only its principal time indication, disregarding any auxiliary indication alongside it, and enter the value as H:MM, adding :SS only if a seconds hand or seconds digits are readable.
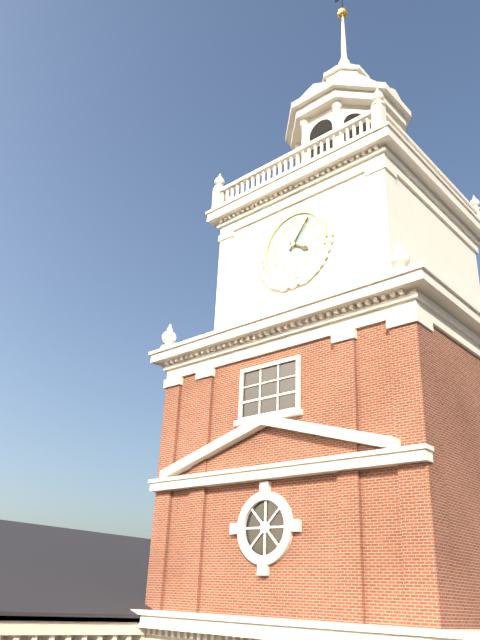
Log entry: 4:06
